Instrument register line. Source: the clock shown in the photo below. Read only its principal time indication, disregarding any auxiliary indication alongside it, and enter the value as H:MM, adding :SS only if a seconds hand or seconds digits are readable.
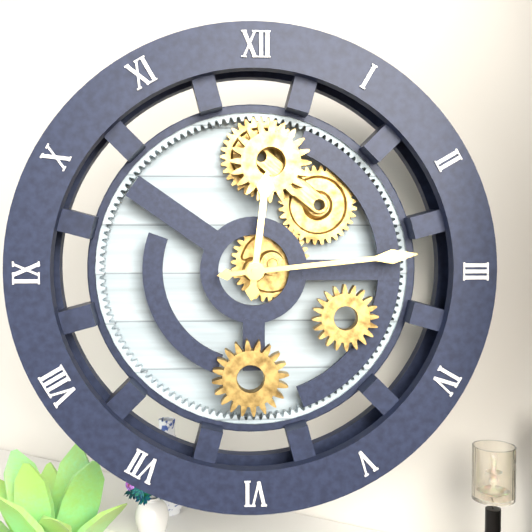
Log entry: 12:14
